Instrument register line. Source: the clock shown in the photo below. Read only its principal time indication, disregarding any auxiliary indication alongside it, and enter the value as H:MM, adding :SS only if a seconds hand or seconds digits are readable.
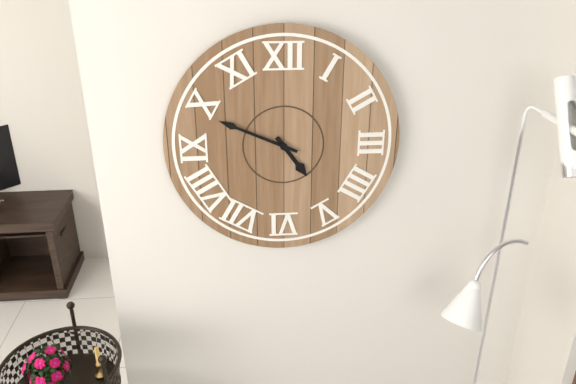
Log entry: 4:49
